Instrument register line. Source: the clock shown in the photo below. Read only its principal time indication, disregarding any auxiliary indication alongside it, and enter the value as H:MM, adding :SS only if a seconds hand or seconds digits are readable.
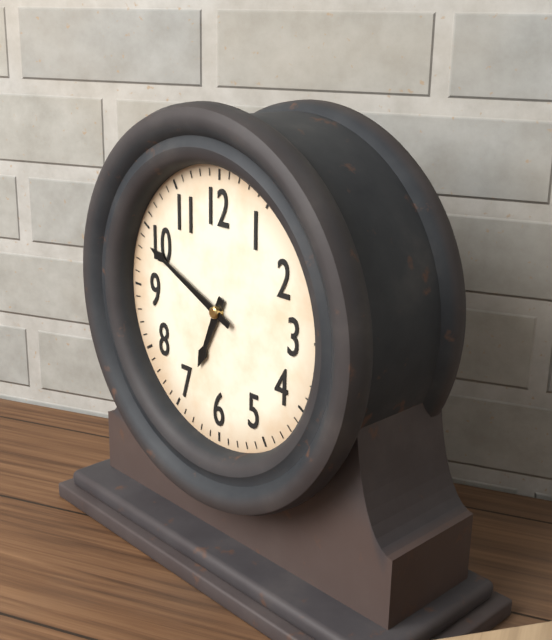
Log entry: 6:49
